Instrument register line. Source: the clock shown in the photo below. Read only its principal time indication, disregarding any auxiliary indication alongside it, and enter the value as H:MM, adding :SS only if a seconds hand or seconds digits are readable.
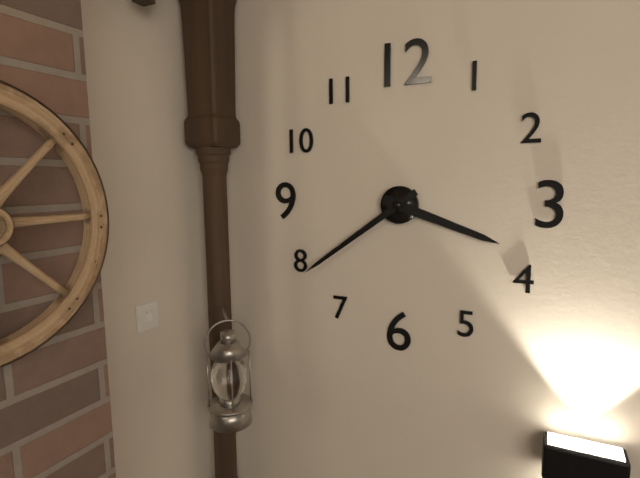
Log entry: 3:39
